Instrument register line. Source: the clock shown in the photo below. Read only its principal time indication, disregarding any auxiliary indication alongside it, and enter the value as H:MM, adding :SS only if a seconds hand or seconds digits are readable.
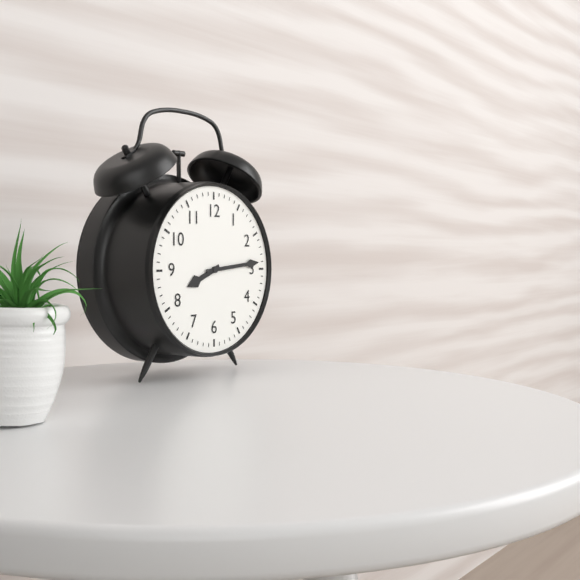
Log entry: 8:14
